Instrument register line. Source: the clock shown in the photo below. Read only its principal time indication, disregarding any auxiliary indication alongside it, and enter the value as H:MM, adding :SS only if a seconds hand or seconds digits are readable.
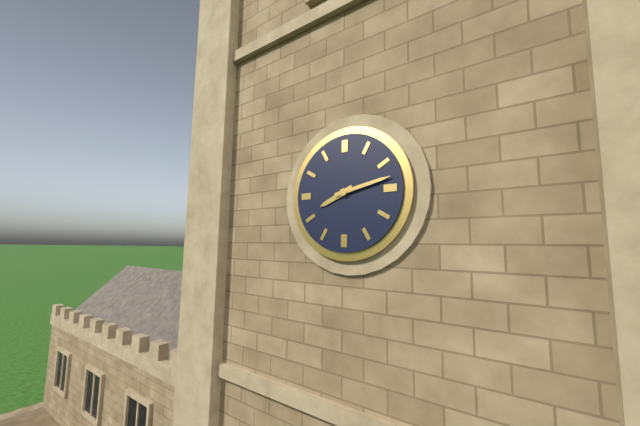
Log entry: 8:13
